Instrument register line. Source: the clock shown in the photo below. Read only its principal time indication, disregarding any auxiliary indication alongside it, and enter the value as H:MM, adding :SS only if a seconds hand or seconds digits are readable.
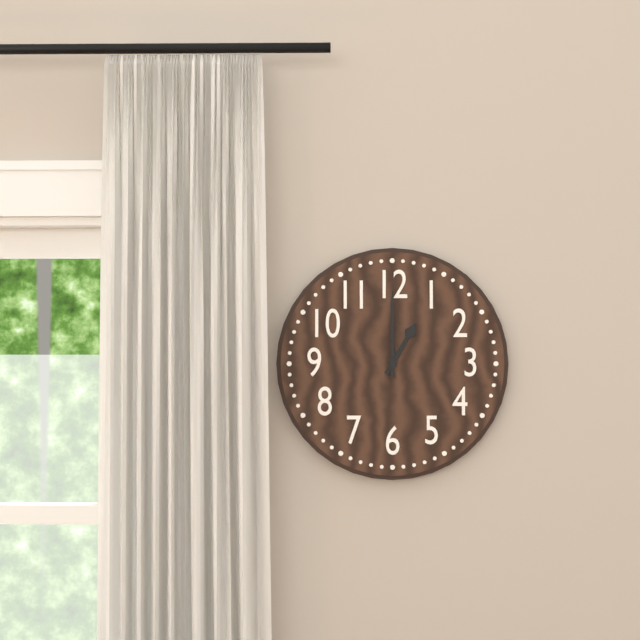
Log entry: 1:00
